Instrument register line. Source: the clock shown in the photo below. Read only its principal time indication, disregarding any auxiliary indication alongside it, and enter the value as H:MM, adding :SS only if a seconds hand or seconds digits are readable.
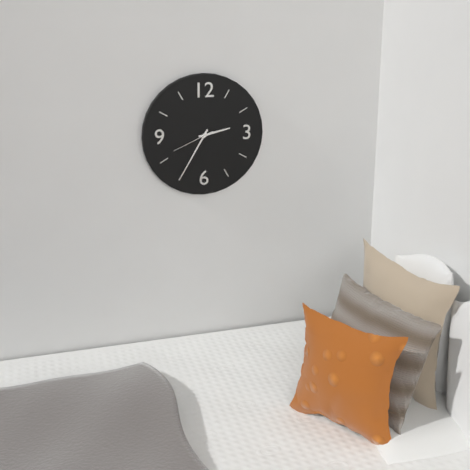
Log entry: 2:35
